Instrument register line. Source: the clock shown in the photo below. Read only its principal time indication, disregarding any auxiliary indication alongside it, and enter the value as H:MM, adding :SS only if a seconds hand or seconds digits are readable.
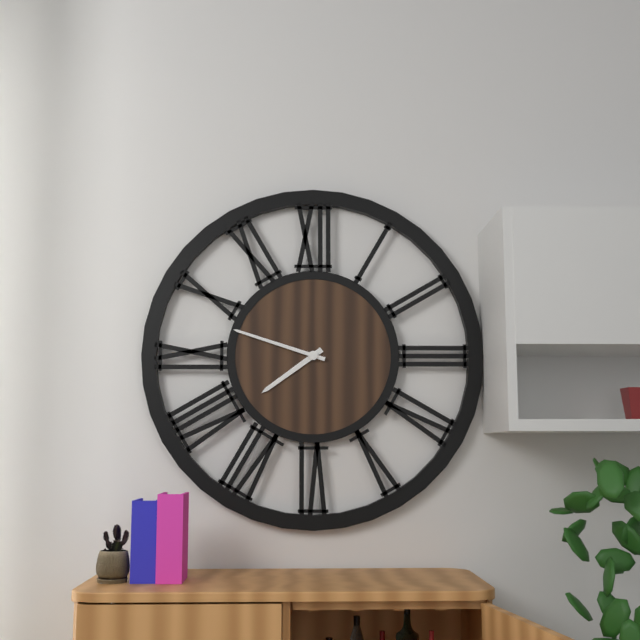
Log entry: 7:48
